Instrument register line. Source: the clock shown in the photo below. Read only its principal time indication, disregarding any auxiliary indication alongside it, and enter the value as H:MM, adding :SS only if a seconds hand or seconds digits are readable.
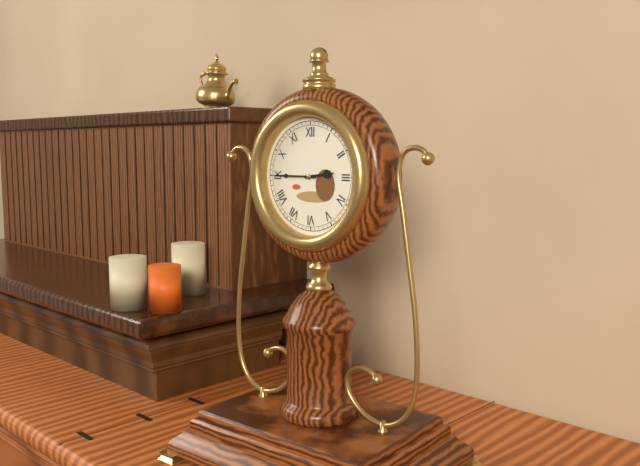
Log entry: 2:45
